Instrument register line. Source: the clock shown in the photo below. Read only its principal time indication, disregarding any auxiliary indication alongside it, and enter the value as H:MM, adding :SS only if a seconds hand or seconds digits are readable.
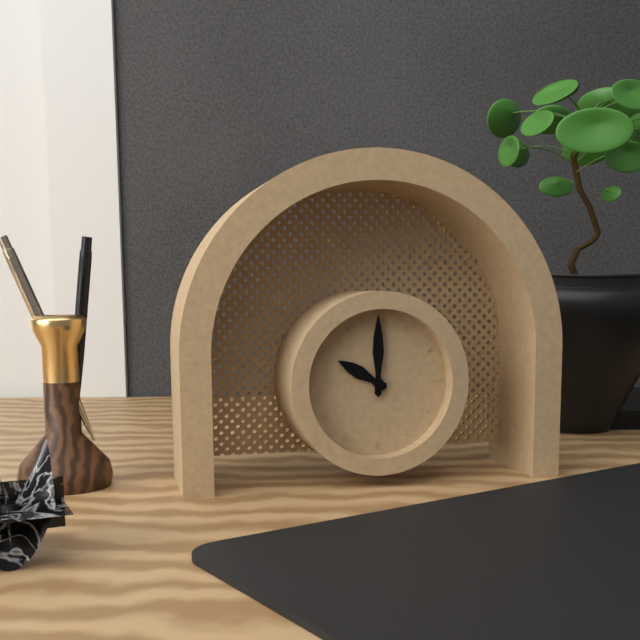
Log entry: 10:00
